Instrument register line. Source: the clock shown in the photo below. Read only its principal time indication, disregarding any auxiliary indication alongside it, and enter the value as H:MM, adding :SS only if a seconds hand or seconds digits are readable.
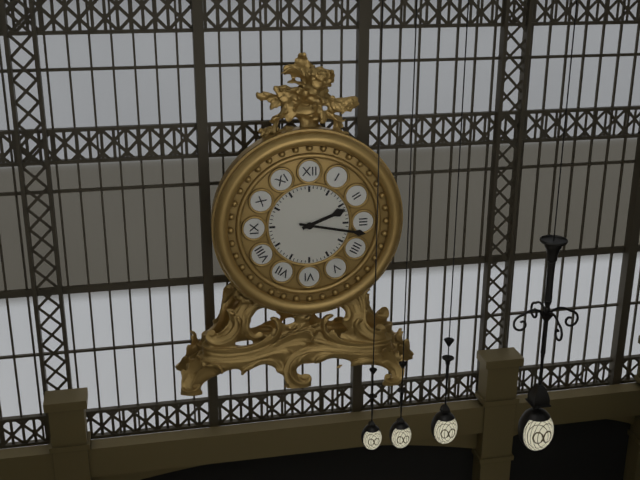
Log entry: 2:17
